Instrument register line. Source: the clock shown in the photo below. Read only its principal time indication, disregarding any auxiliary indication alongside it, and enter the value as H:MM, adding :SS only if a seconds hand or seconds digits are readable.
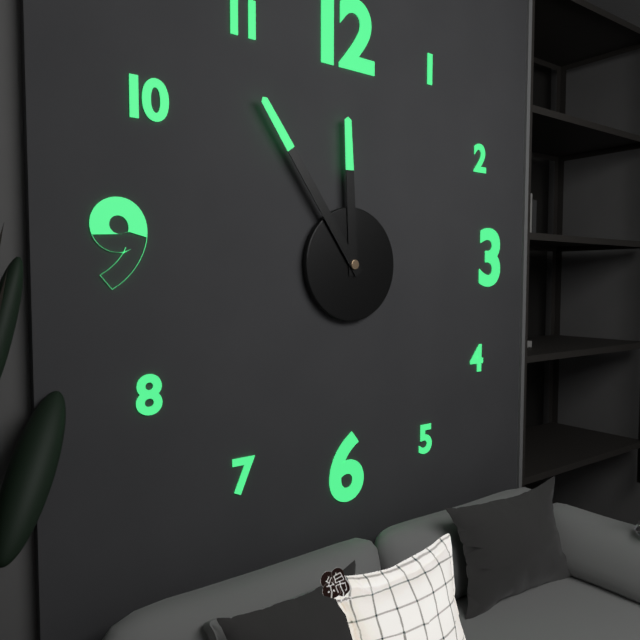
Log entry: 11:54
